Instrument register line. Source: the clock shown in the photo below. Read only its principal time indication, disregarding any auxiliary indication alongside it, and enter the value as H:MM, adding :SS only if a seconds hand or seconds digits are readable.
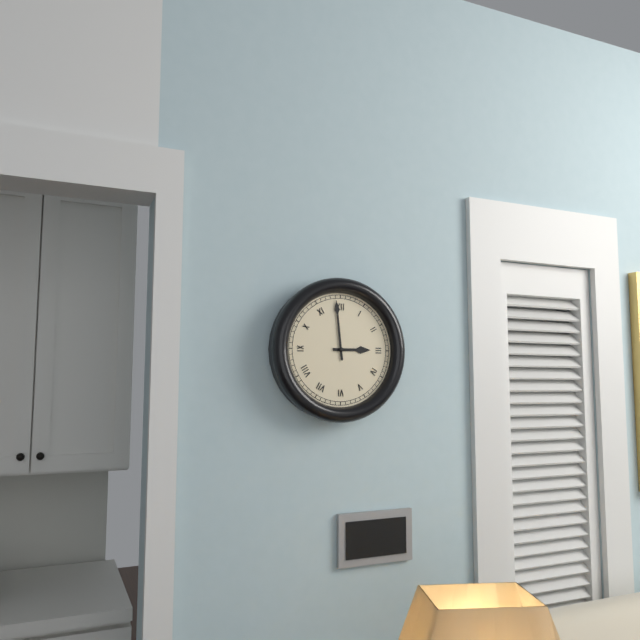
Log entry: 2:59
